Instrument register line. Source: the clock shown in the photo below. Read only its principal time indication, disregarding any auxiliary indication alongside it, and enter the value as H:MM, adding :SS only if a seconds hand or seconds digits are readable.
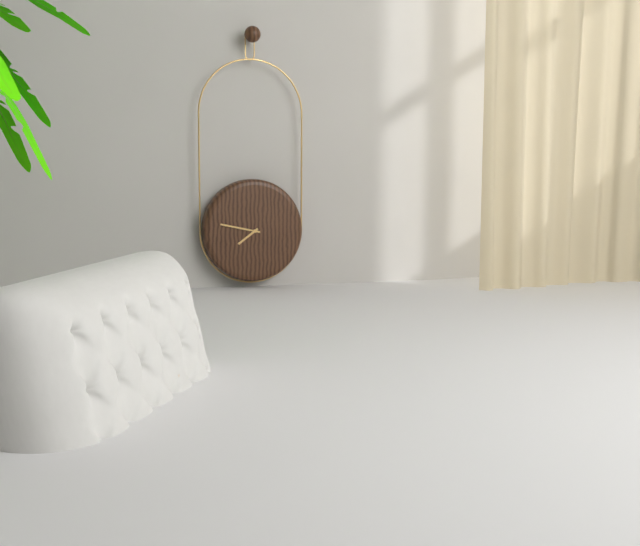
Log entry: 7:47
